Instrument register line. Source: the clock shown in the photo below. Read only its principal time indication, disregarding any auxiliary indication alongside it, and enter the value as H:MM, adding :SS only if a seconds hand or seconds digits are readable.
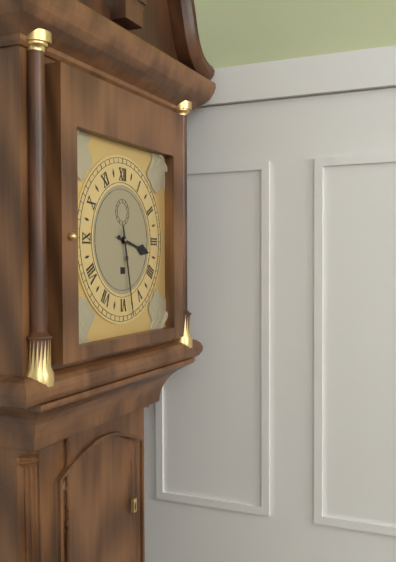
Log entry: 3:28
